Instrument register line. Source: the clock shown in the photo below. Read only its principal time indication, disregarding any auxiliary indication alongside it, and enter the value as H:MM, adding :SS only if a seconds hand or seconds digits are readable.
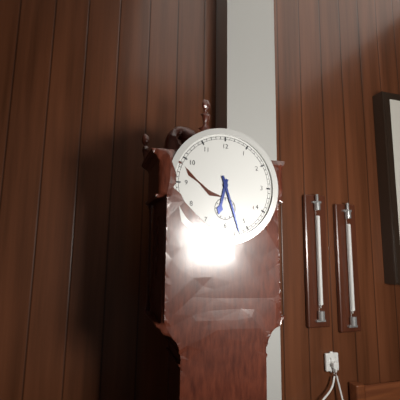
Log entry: 6:27
